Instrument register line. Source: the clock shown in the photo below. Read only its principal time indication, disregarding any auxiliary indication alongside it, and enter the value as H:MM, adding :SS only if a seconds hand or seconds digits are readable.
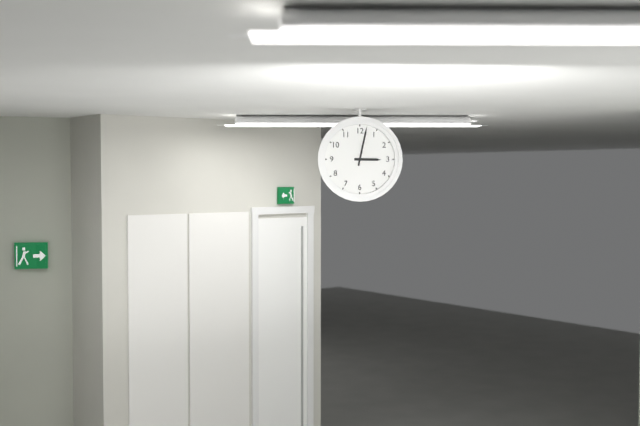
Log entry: 3:02
